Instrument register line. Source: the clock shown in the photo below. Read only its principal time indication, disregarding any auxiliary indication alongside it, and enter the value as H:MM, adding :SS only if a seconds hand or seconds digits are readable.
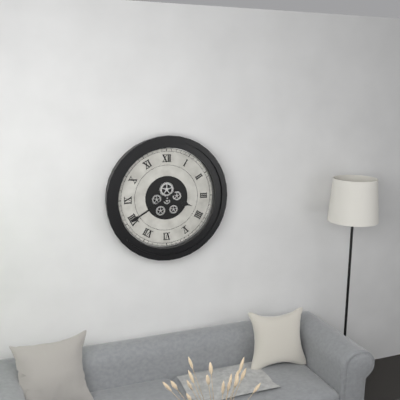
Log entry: 3:40
